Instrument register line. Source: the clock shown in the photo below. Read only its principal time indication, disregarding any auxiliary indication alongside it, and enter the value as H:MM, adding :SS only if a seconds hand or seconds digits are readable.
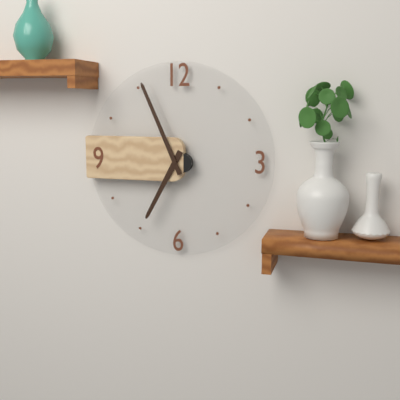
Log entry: 6:56
